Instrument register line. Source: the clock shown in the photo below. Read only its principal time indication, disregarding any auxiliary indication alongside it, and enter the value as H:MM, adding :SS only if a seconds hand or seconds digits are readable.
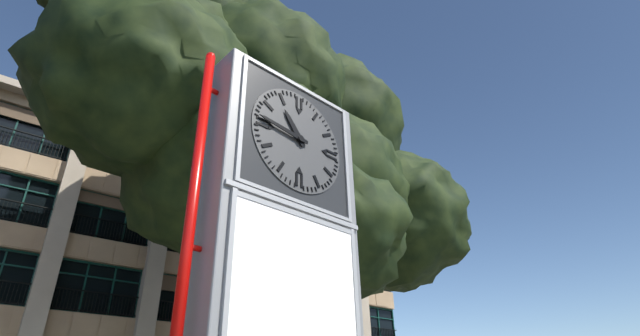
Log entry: 10:46
